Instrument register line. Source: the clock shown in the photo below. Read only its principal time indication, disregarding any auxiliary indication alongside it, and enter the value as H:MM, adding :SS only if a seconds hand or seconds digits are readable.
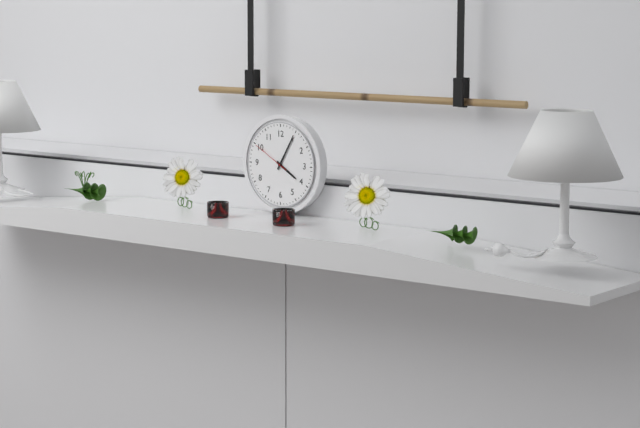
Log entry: 4:05
